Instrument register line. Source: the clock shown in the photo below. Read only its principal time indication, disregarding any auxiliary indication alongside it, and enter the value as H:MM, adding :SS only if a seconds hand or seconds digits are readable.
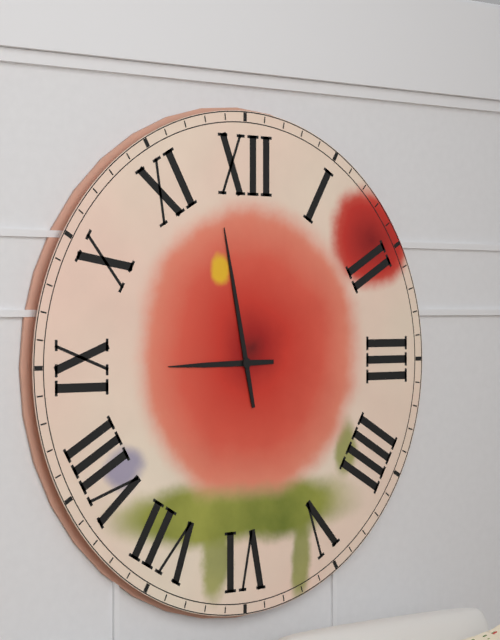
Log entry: 8:58
